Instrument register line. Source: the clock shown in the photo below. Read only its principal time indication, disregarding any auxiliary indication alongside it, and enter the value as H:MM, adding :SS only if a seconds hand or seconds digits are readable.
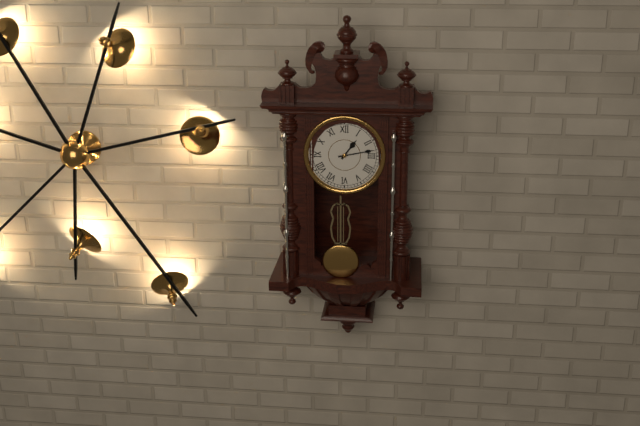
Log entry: 1:13
